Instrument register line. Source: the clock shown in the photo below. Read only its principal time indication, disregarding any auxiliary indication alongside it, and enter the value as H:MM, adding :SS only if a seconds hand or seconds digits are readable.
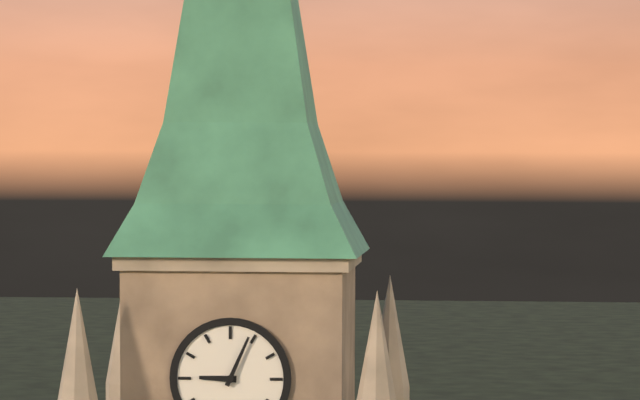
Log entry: 9:04
